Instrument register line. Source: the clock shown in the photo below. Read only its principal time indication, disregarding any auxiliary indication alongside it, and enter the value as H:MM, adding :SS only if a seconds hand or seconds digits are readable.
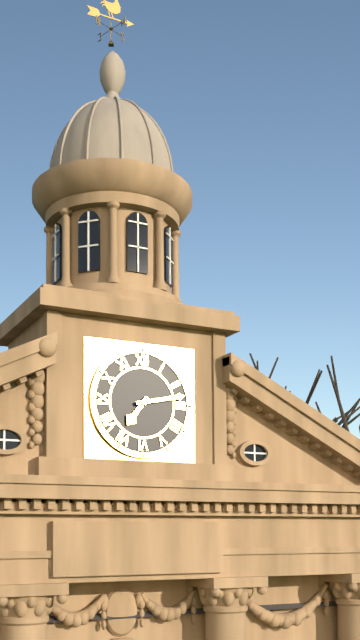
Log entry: 7:13
